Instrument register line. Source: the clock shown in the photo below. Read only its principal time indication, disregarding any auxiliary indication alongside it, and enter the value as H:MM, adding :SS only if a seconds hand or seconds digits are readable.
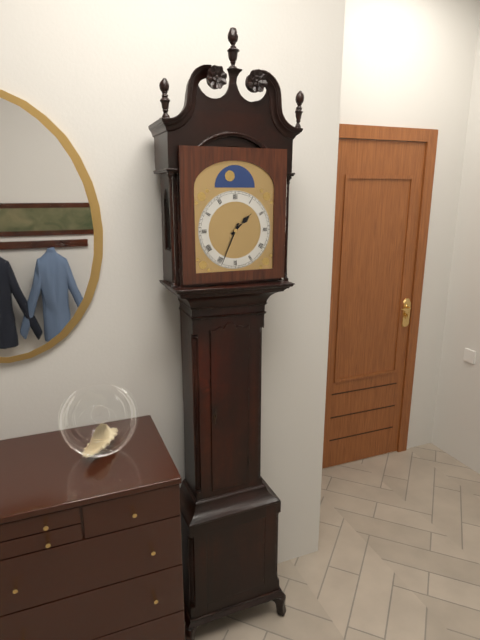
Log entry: 1:34
